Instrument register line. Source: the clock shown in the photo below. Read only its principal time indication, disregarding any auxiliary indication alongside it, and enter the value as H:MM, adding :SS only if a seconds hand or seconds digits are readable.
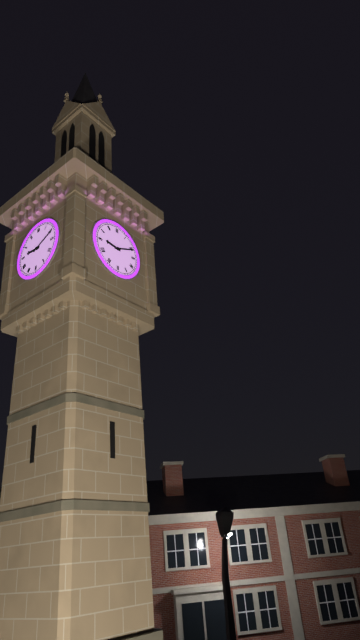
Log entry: 9:11
